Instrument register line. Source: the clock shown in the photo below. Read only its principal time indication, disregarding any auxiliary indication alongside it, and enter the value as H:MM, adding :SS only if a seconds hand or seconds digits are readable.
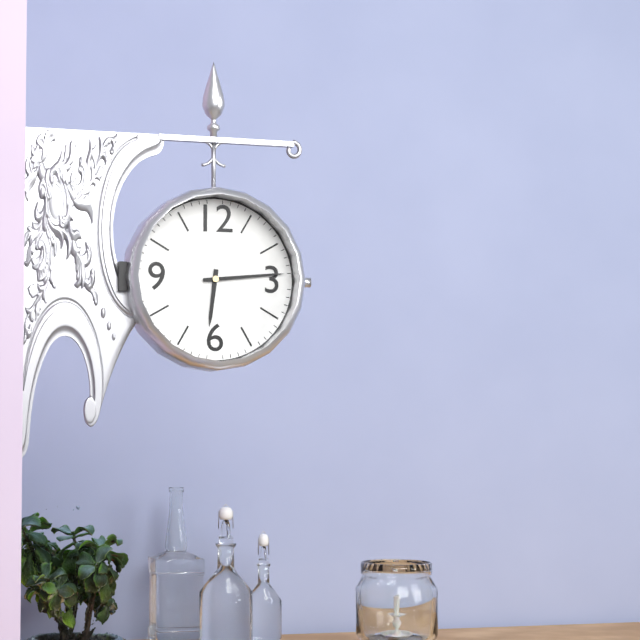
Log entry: 6:14
